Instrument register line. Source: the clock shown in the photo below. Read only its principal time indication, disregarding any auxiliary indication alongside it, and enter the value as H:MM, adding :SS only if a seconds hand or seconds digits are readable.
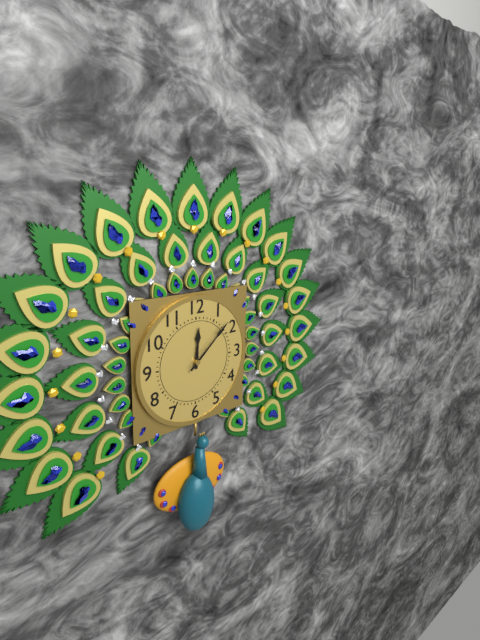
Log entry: 12:08
